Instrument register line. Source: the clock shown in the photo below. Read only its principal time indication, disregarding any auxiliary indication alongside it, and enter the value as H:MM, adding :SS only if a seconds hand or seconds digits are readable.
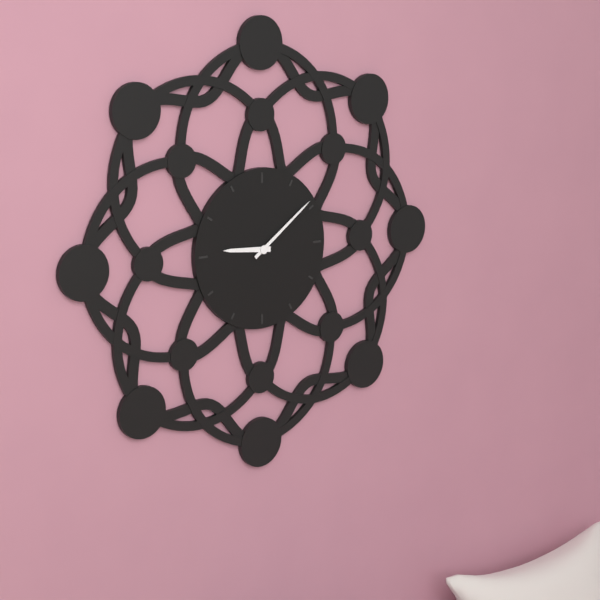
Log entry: 9:09
